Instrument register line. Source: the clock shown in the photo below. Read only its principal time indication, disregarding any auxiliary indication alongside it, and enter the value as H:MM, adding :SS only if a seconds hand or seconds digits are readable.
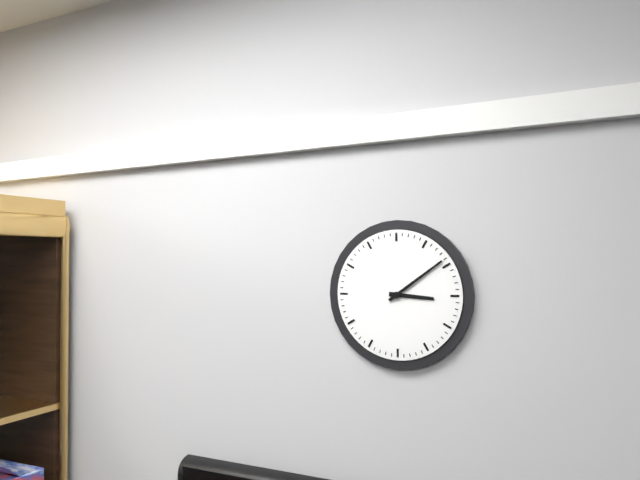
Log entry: 3:09
